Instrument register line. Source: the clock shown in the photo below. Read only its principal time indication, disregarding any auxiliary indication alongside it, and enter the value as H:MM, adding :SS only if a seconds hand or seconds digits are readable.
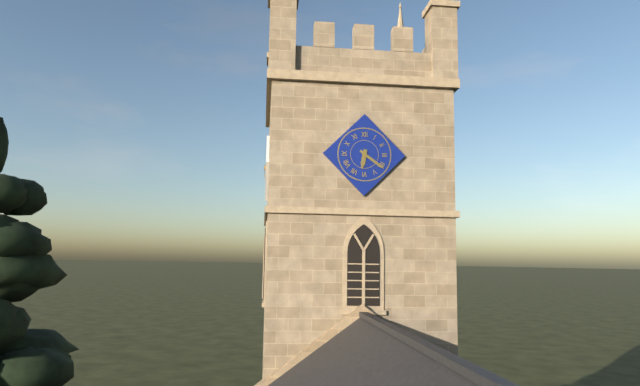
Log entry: 6:21
